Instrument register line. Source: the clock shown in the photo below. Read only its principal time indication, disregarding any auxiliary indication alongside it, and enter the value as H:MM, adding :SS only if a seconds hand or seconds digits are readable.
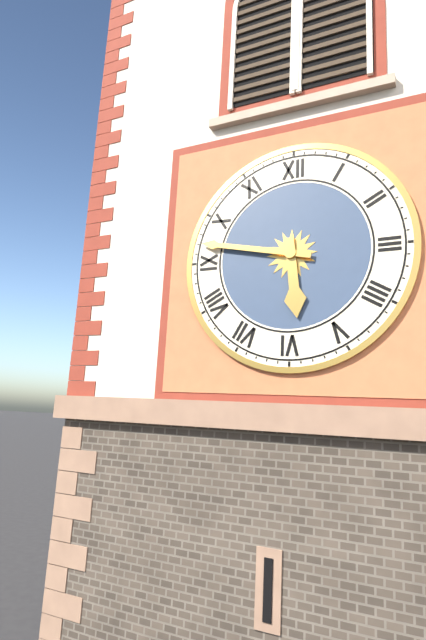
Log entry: 5:47
